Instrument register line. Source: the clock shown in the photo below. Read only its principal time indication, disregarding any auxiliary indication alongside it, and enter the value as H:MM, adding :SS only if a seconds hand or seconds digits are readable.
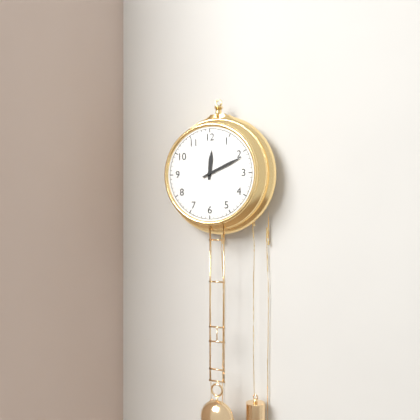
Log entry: 12:11
